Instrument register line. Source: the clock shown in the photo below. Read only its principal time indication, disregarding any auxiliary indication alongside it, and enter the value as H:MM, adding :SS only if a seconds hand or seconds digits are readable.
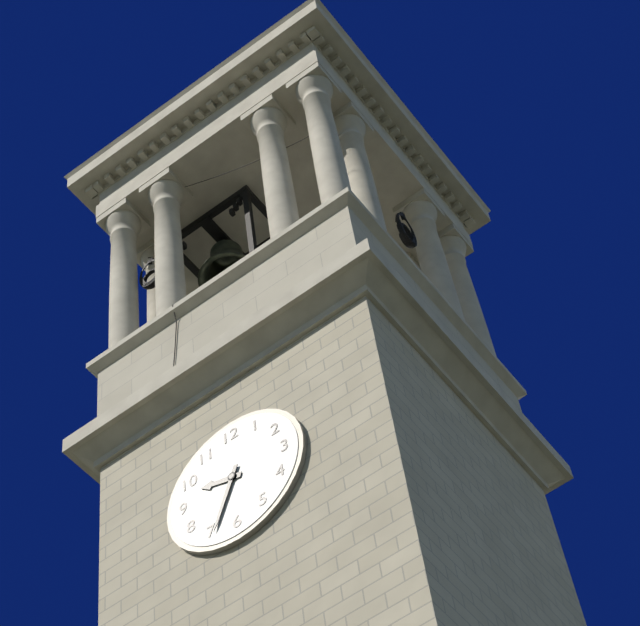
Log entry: 9:34
